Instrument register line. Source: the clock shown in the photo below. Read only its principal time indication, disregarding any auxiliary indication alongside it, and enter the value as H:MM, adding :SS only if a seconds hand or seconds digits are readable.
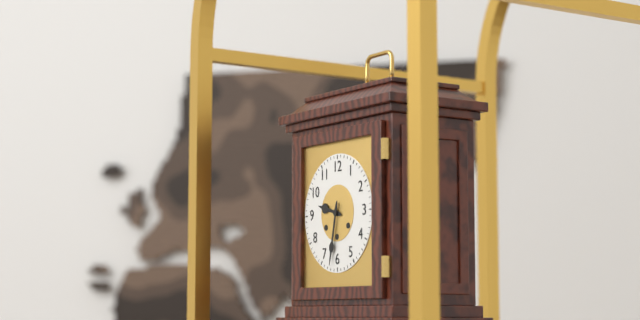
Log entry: 9:32
